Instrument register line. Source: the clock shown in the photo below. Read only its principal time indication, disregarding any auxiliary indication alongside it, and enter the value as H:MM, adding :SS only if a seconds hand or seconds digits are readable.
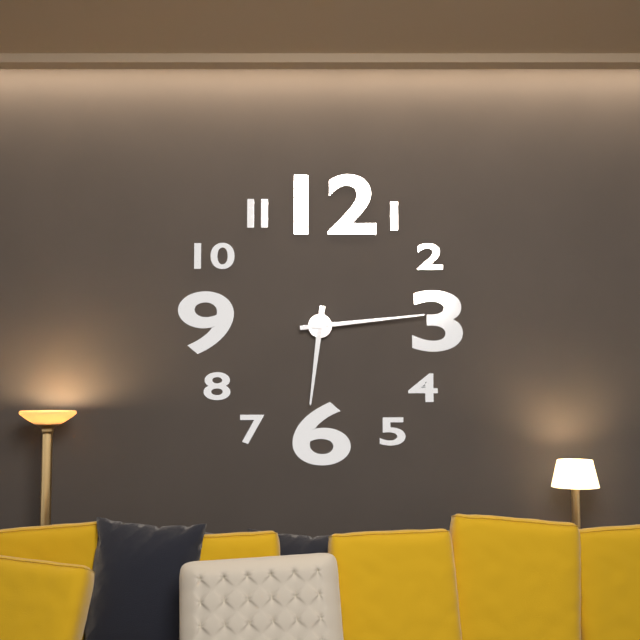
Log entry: 6:14
